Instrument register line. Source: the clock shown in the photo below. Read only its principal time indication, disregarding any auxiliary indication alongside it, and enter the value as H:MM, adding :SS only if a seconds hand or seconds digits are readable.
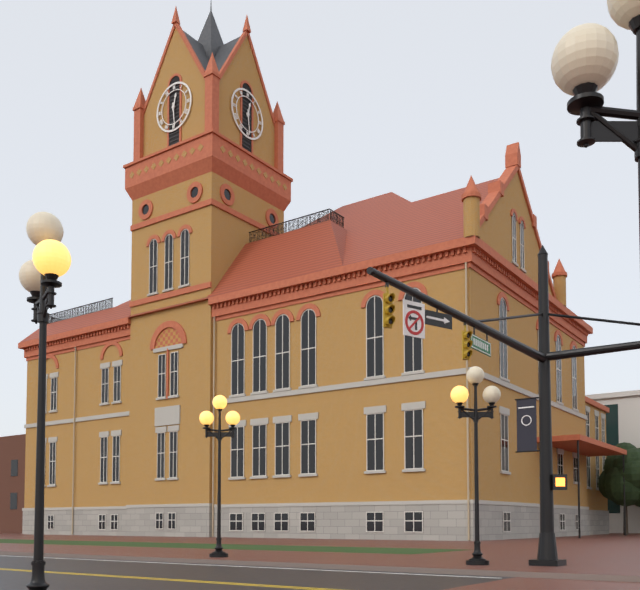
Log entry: 12:29
